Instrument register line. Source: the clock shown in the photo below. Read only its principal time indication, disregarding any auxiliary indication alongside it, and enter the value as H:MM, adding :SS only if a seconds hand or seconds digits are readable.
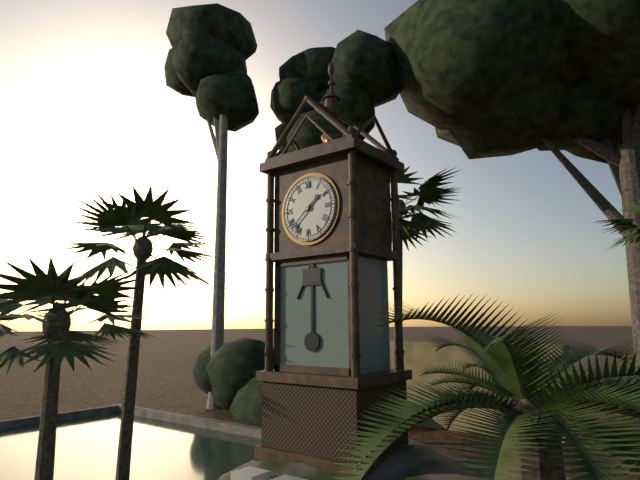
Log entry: 1:38
